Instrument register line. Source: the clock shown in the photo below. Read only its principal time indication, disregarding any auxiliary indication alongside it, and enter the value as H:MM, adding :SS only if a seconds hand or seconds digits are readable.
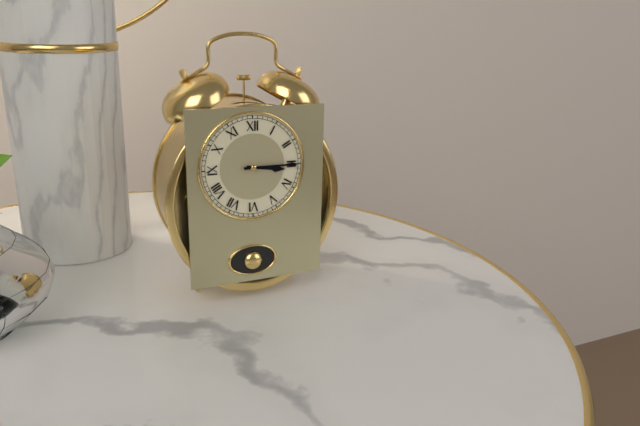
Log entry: 3:15
